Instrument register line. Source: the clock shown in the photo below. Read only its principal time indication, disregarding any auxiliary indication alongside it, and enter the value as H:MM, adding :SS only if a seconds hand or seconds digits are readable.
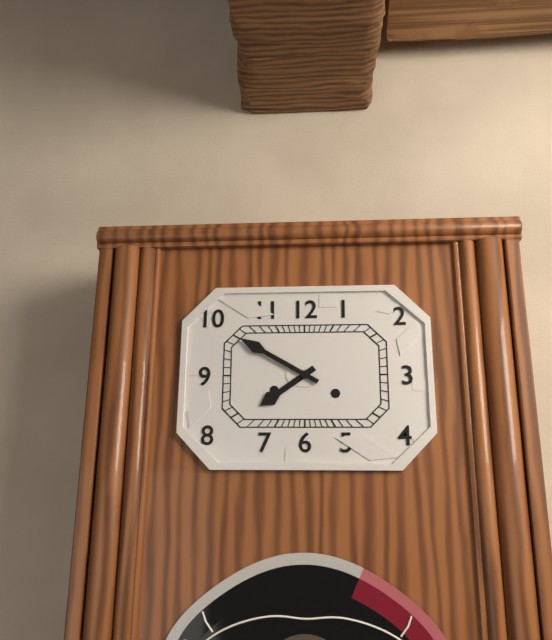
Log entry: 7:50
